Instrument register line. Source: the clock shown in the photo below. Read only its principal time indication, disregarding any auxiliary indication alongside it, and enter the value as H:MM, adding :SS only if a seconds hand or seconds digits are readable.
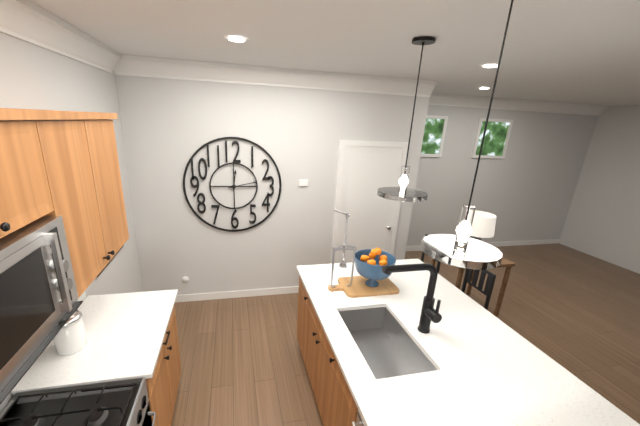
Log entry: 12:13
